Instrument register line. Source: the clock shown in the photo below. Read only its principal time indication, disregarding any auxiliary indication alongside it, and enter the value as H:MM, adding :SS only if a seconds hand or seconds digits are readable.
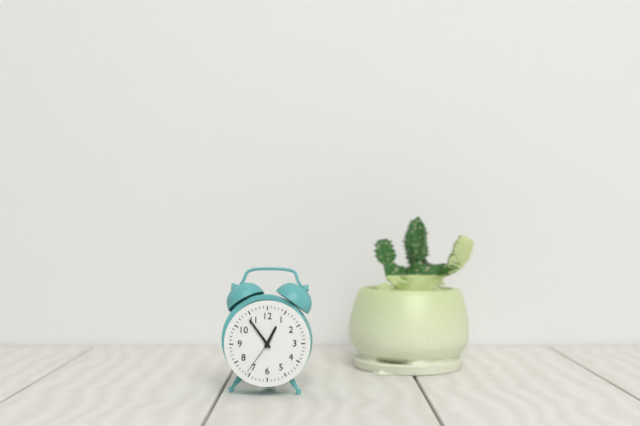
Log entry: 12:54
